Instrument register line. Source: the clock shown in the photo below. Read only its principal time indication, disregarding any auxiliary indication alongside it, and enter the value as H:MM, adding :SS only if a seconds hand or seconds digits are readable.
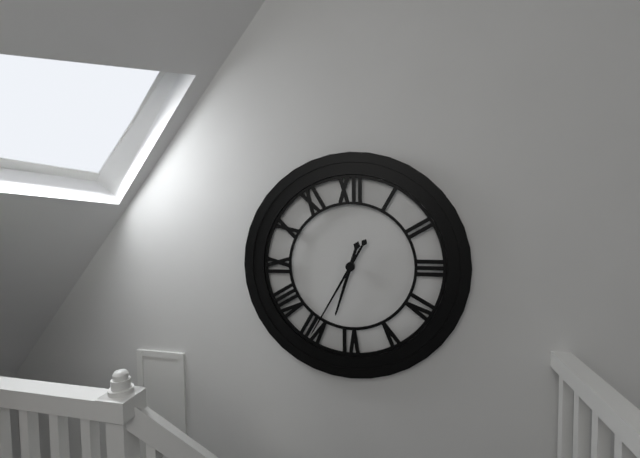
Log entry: 6:35
